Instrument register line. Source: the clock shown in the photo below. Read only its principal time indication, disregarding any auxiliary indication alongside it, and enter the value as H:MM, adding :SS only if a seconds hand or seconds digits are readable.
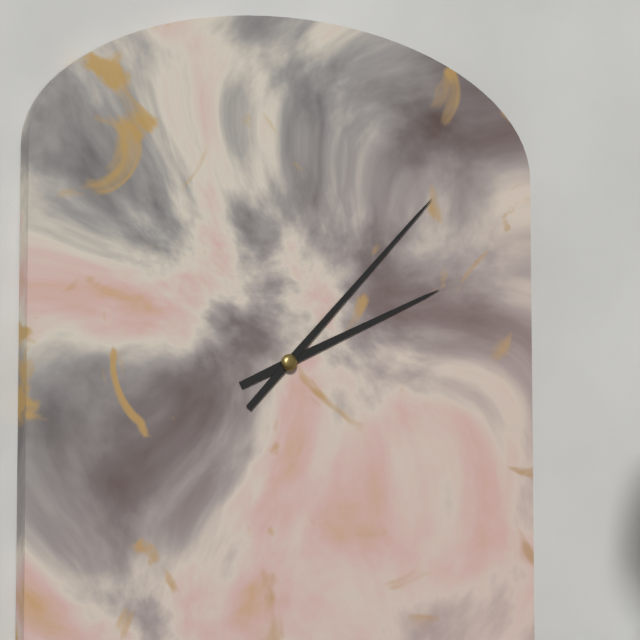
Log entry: 2:07
